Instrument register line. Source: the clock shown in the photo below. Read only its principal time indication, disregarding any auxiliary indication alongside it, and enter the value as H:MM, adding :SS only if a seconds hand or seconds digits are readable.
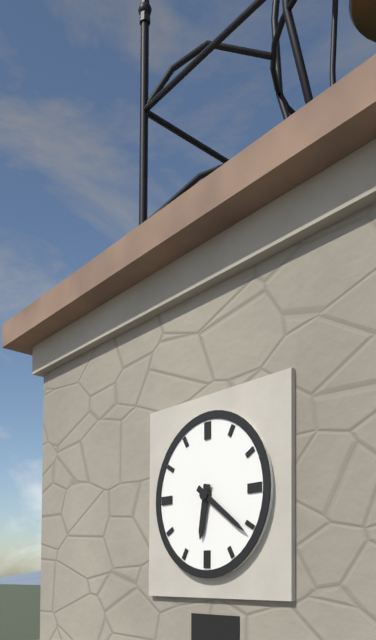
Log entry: 6:21
